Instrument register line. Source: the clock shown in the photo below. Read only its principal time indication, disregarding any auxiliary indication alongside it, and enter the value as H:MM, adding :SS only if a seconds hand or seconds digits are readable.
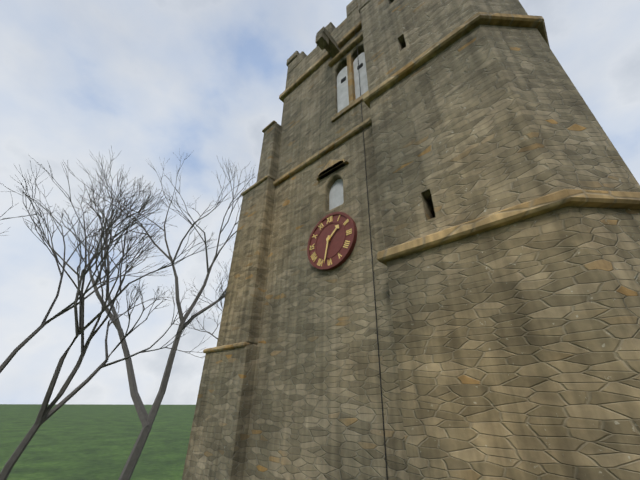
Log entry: 1:32
